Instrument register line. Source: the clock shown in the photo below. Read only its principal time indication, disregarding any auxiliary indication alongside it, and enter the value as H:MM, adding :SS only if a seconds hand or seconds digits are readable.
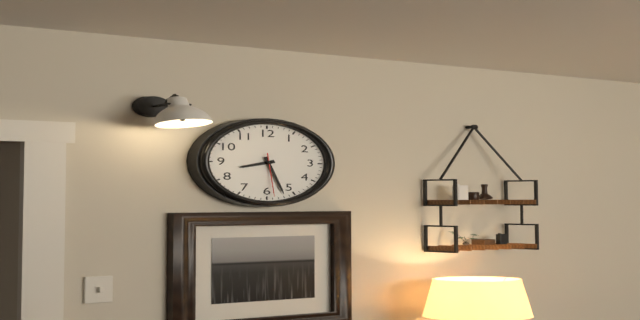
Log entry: 8:27
